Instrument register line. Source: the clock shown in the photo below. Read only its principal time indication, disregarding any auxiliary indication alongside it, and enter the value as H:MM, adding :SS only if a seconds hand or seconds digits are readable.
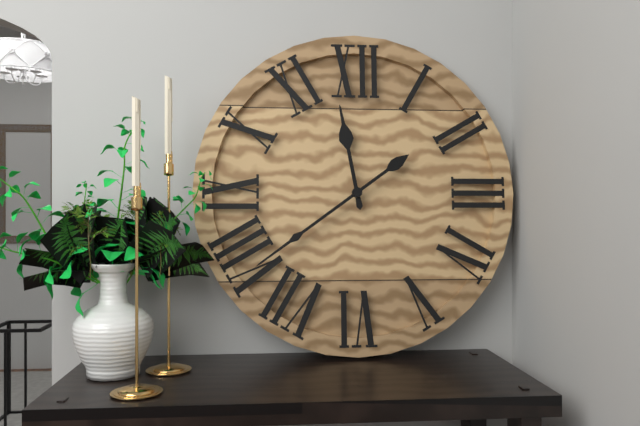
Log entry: 11:39
